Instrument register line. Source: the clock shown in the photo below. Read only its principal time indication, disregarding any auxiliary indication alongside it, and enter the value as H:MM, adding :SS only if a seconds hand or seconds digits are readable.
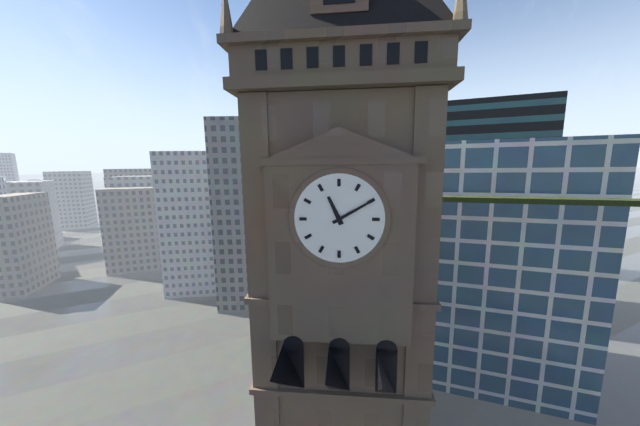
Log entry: 11:10
